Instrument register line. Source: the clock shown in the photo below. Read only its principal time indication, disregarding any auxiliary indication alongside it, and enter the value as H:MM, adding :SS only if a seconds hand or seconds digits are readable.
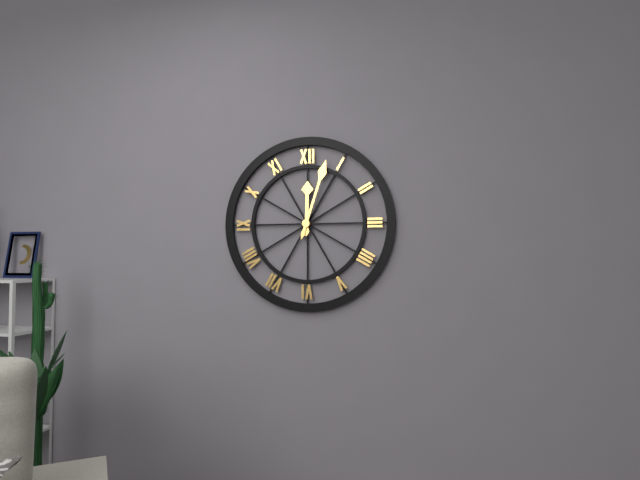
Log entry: 12:03
